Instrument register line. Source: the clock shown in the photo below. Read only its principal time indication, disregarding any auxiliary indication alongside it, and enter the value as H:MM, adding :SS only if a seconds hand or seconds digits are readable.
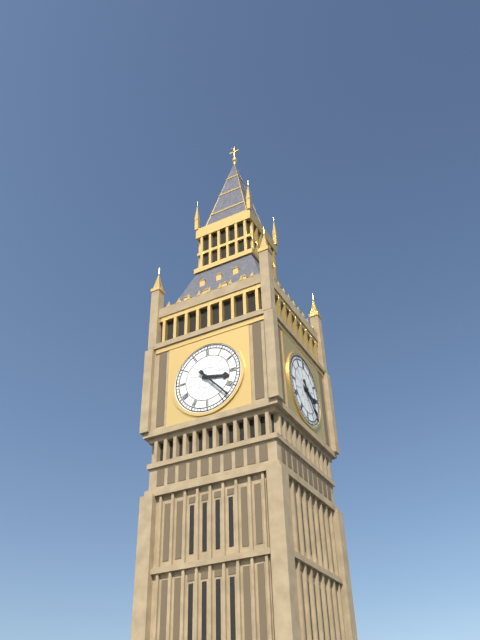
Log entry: 3:23
